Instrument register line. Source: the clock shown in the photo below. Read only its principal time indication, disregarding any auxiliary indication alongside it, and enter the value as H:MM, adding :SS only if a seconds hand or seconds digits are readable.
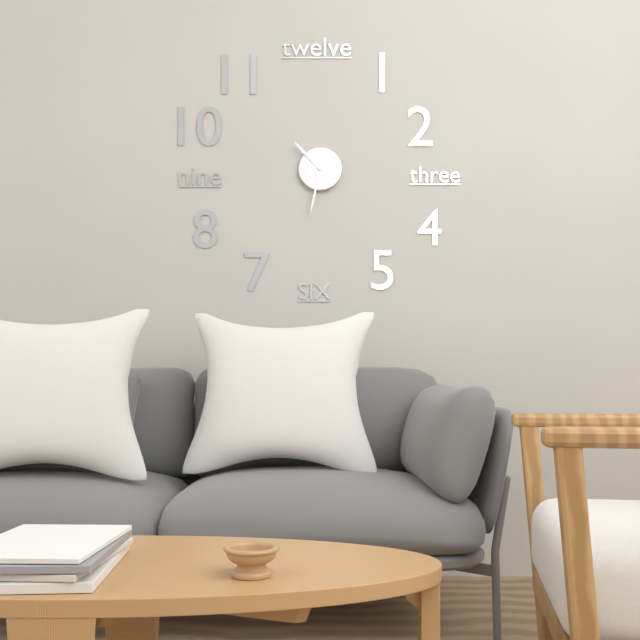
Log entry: 10:32
